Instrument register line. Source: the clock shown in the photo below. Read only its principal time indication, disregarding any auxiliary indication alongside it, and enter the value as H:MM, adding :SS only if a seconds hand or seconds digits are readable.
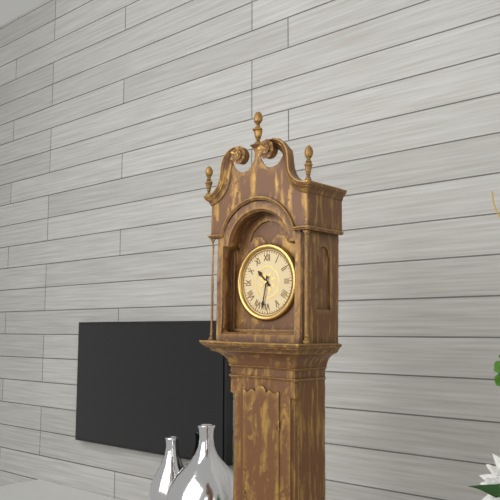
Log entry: 10:32
